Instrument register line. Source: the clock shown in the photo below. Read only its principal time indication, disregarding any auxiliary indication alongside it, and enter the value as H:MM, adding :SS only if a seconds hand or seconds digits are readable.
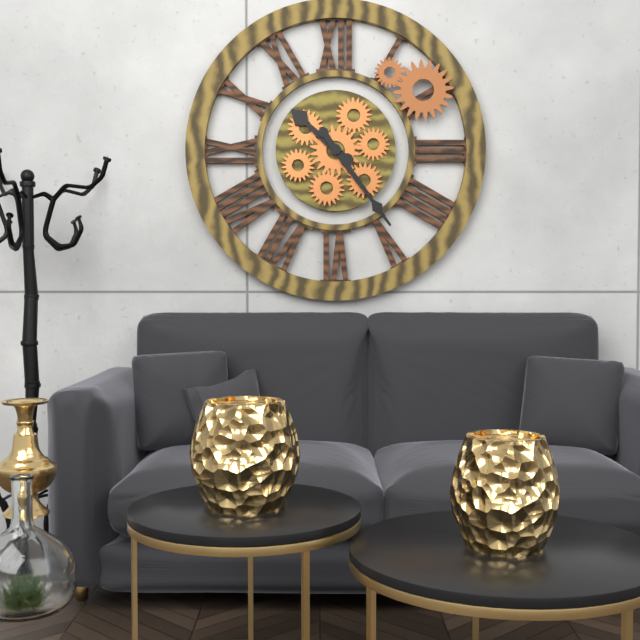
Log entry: 10:24
